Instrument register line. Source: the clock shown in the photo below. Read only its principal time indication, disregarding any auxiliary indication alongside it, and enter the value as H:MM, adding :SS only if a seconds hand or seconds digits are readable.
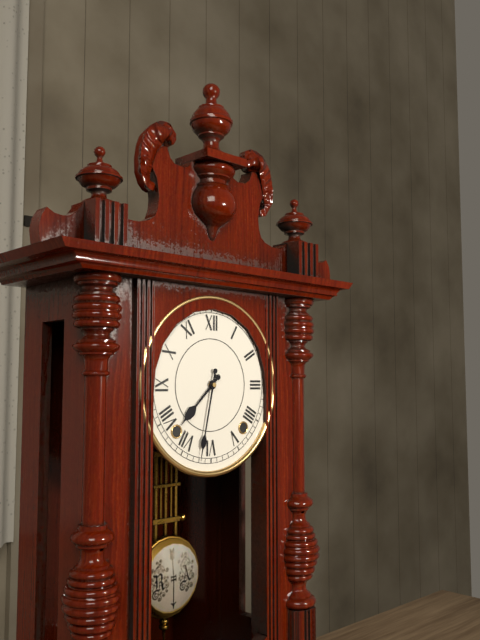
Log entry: 7:32
